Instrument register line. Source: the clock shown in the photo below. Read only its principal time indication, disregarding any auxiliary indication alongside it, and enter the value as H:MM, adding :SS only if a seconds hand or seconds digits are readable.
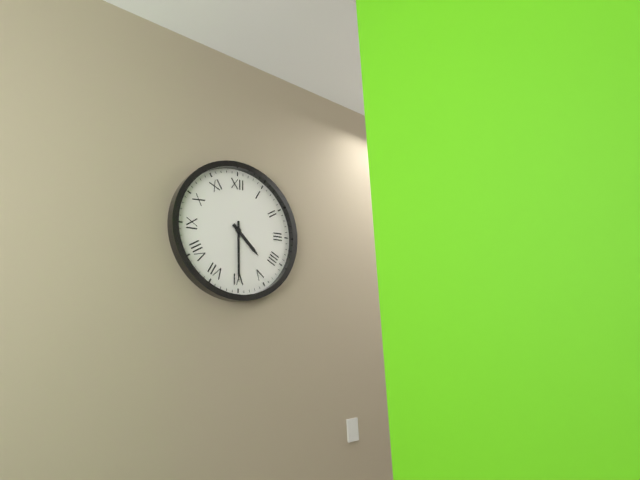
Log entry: 4:30
